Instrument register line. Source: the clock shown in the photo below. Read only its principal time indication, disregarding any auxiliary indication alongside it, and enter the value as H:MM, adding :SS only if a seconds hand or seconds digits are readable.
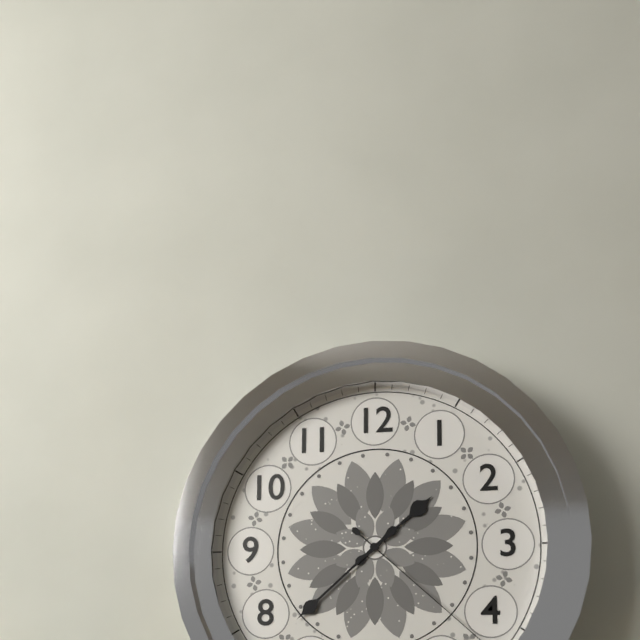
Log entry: 1:38
